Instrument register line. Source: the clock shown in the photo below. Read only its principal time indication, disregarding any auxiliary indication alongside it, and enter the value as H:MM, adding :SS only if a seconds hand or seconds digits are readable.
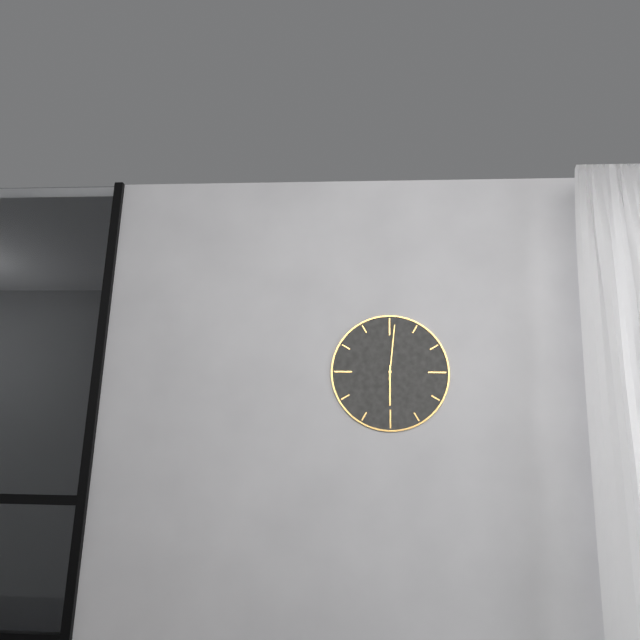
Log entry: 6:01
